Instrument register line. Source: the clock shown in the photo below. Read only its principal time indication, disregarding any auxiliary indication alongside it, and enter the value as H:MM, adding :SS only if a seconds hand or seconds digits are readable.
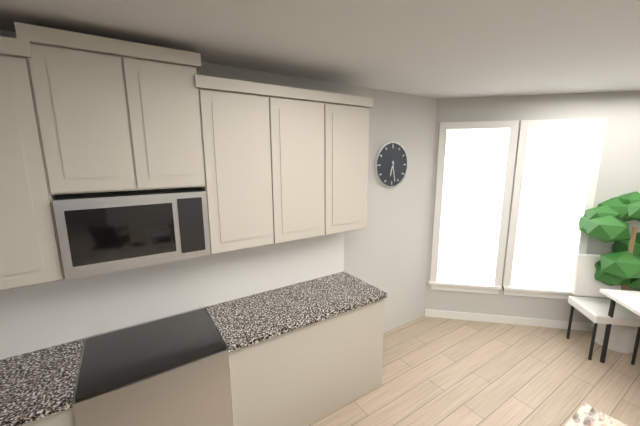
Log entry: 6:28
